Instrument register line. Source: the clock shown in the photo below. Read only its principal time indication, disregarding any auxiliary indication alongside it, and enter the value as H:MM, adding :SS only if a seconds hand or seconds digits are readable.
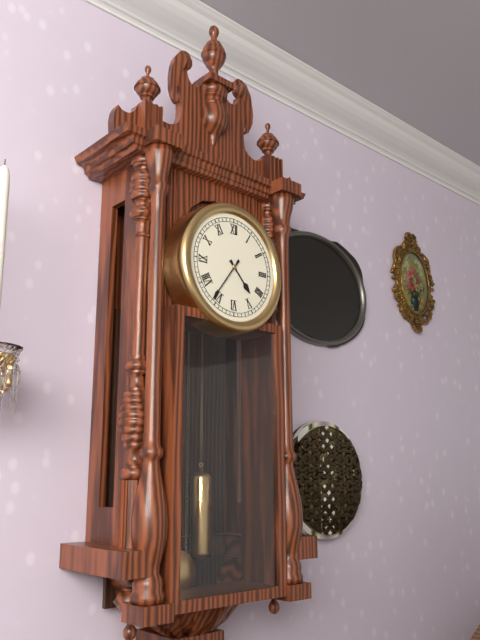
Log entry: 4:36
